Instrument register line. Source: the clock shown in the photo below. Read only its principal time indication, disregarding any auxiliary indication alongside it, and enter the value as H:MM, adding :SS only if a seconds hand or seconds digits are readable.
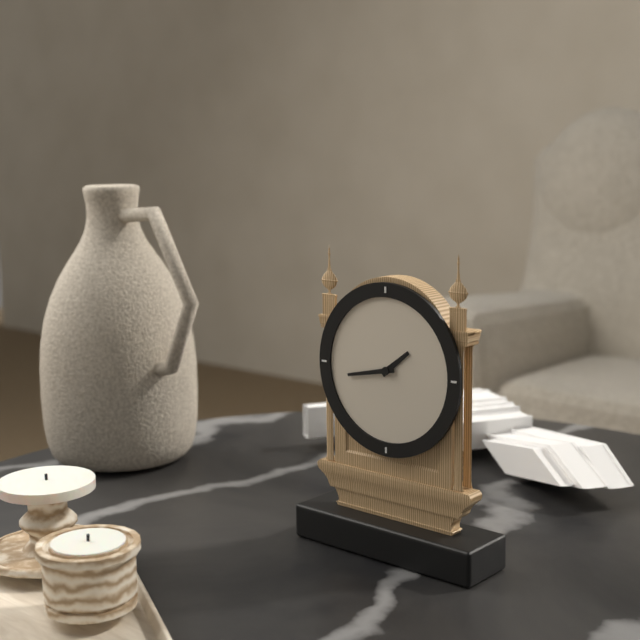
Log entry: 1:43
